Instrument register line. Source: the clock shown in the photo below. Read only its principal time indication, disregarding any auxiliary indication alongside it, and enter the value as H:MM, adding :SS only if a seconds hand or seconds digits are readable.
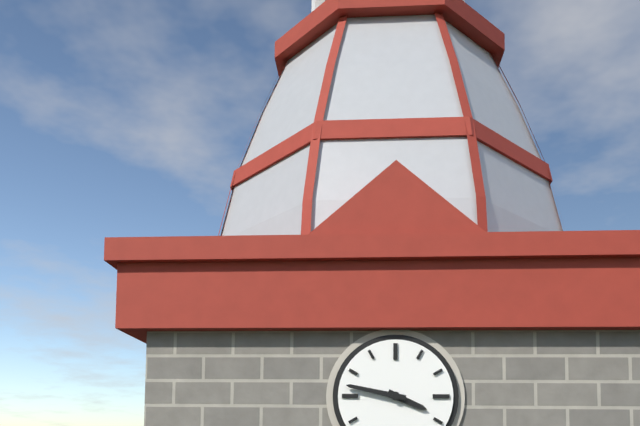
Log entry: 3:47
